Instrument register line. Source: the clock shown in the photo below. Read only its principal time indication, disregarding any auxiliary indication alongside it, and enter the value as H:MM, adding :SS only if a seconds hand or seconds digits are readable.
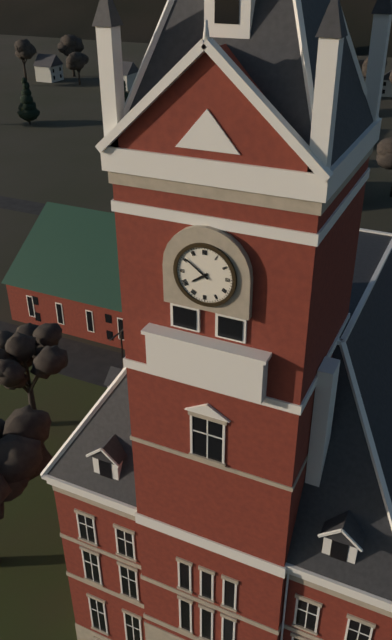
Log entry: 7:51
